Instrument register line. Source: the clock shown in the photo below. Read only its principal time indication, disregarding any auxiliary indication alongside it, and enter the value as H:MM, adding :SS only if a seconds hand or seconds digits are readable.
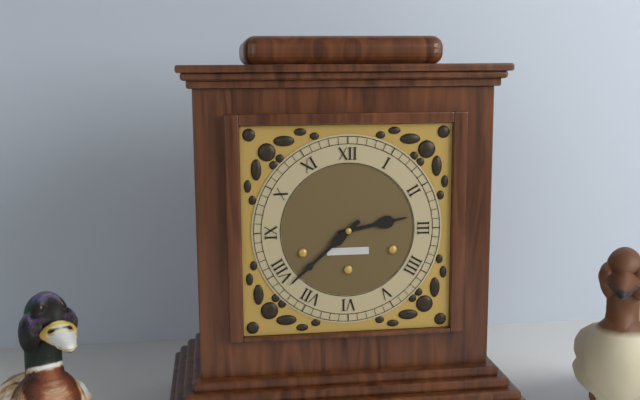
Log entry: 2:38
